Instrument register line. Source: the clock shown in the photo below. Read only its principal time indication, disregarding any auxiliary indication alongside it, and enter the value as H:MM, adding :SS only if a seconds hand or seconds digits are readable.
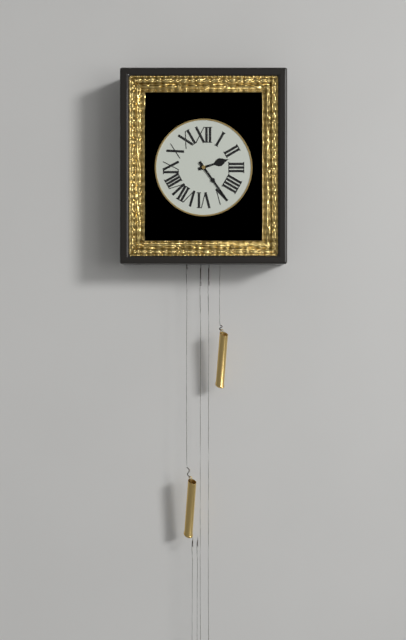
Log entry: 2:24
